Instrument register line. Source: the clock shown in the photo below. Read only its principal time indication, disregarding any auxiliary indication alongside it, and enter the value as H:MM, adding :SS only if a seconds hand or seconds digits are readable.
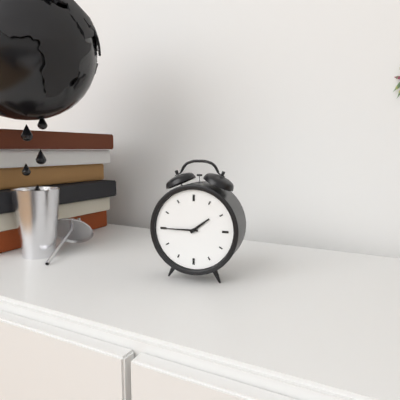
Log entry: 1:45
